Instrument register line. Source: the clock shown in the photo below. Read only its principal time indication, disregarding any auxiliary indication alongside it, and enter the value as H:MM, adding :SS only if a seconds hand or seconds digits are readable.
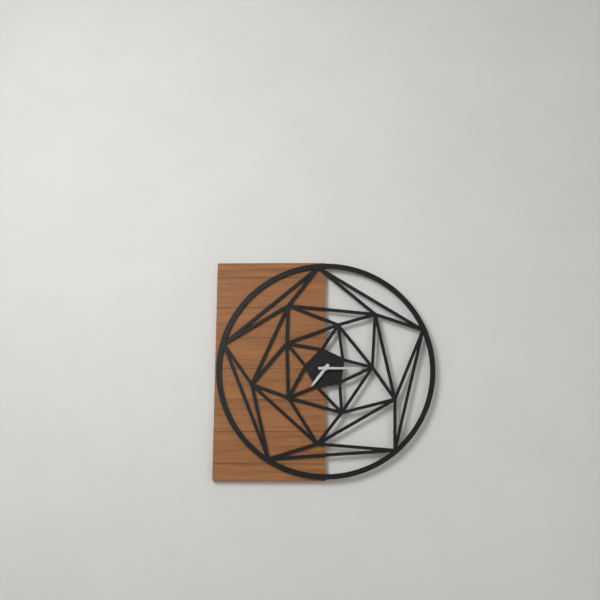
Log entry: 7:15
